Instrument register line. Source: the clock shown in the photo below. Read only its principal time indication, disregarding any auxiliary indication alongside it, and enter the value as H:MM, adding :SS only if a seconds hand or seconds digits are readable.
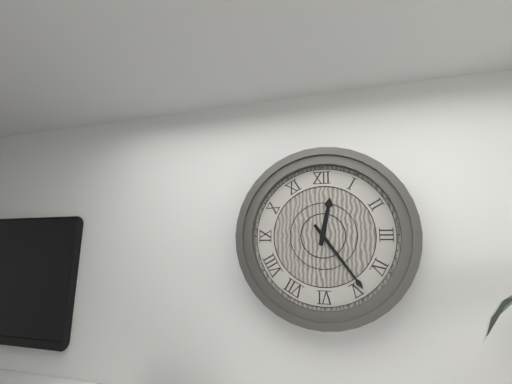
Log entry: 12:24
